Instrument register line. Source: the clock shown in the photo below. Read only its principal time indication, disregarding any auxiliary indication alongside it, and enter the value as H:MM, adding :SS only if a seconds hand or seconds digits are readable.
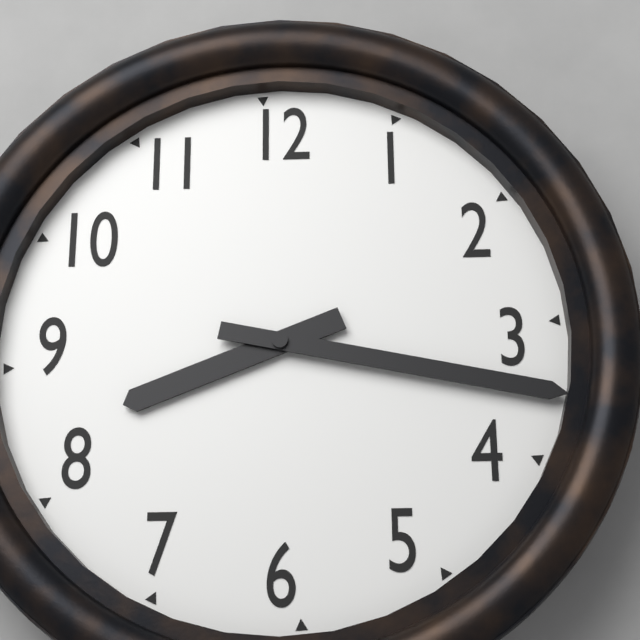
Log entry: 8:17
